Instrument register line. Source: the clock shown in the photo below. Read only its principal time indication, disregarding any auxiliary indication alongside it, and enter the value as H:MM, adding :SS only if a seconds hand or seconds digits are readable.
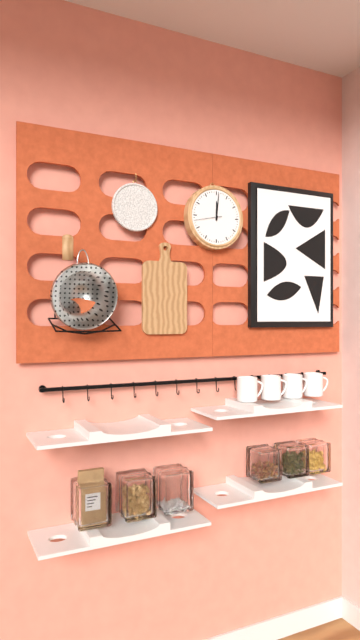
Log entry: 12:01
